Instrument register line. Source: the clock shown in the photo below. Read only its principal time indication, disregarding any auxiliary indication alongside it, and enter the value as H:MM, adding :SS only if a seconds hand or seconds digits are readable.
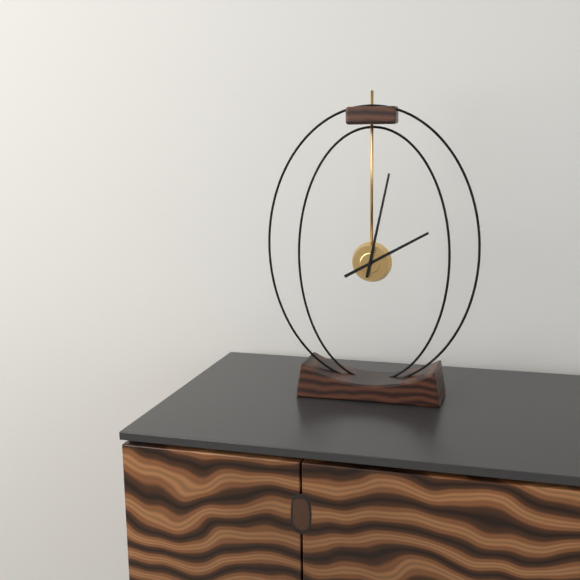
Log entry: 2:02
